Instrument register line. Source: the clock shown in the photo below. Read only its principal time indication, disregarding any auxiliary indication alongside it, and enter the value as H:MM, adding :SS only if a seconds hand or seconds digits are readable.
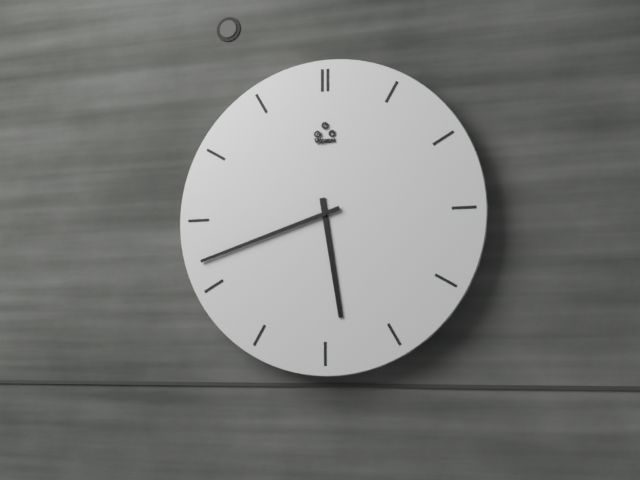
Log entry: 5:42
